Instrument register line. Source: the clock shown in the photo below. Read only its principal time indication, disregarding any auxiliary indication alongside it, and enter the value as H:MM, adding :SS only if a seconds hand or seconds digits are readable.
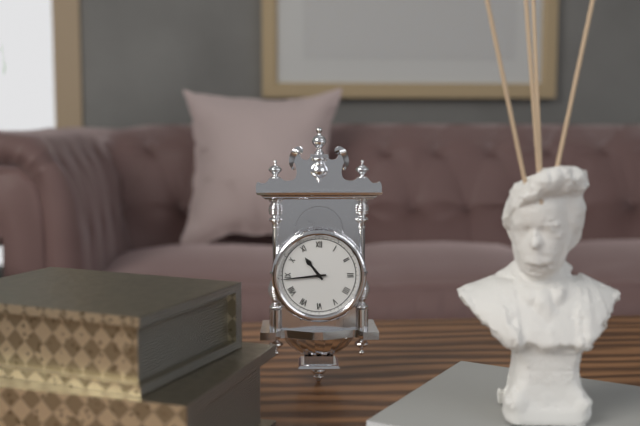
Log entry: 10:44
